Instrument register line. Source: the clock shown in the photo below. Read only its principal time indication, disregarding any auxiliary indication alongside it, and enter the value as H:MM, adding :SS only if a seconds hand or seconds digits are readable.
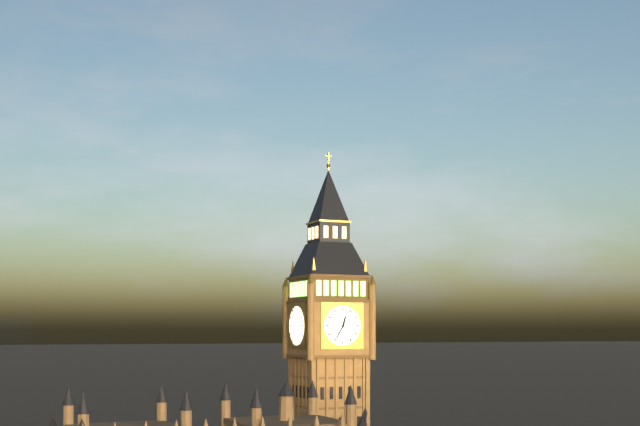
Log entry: 12:35
